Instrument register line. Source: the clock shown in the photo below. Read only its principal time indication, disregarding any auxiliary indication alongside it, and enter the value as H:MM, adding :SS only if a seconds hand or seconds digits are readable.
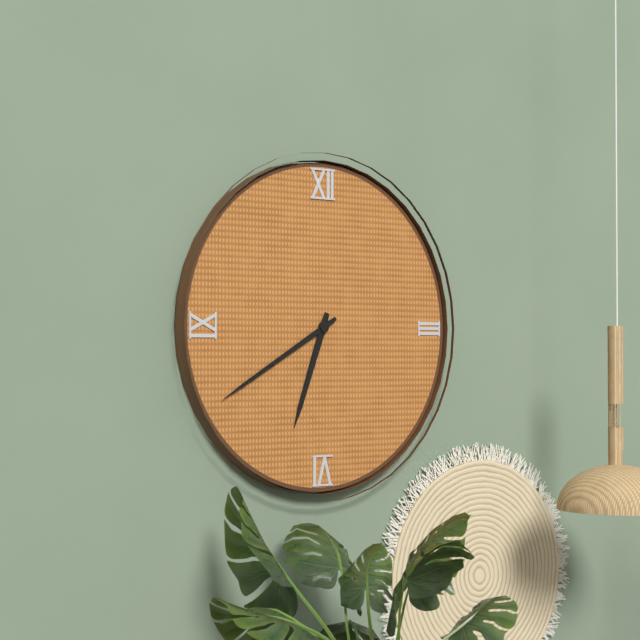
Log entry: 6:40
